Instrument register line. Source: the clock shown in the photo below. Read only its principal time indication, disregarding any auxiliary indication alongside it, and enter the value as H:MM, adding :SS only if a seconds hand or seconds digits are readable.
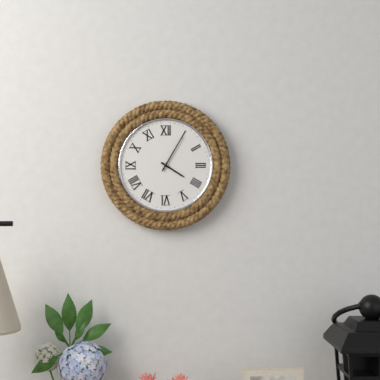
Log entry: 4:05
